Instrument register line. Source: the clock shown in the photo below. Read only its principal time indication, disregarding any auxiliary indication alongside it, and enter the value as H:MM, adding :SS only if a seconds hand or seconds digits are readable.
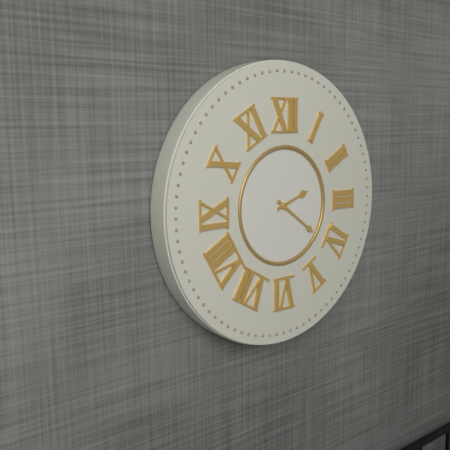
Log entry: 2:21
